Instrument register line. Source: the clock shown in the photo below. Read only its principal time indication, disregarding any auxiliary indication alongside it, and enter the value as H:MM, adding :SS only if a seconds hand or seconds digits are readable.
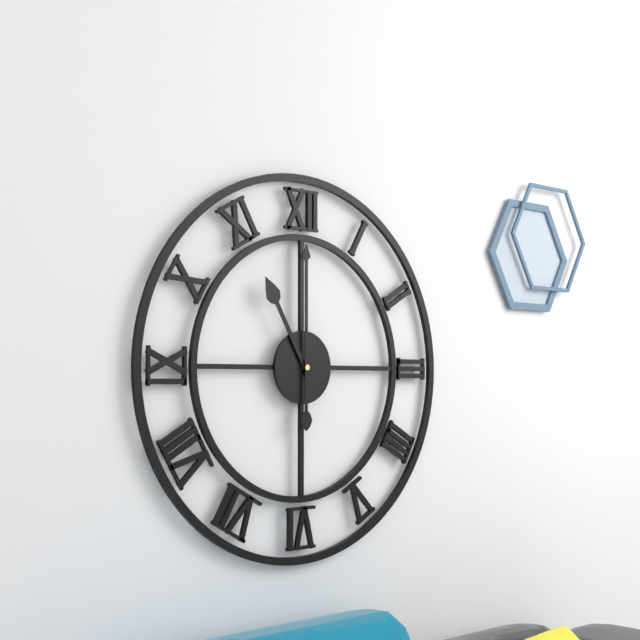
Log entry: 11:00
